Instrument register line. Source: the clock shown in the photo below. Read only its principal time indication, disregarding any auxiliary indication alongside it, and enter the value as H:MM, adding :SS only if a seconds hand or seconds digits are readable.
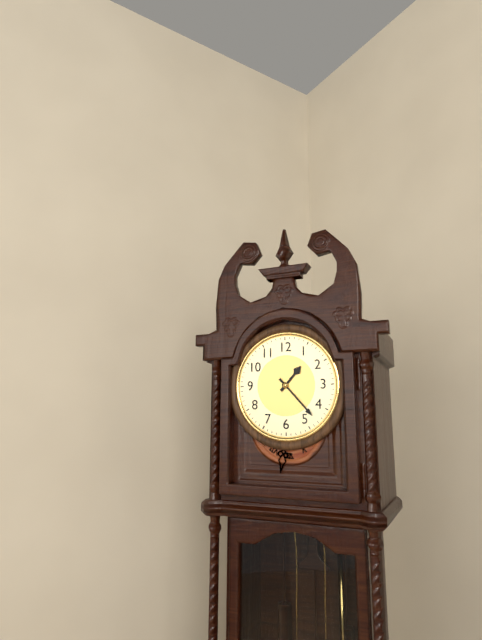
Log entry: 1:23
